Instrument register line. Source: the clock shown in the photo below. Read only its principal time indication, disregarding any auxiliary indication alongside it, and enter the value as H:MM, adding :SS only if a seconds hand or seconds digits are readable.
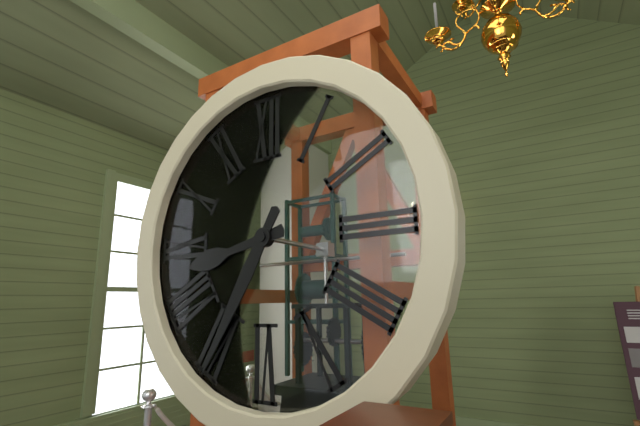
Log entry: 8:35
